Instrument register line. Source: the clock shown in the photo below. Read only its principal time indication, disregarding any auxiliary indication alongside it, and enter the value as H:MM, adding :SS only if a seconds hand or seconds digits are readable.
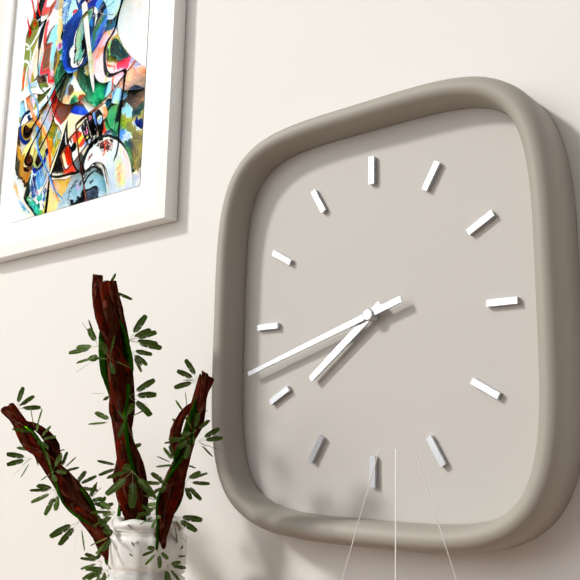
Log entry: 7:42
